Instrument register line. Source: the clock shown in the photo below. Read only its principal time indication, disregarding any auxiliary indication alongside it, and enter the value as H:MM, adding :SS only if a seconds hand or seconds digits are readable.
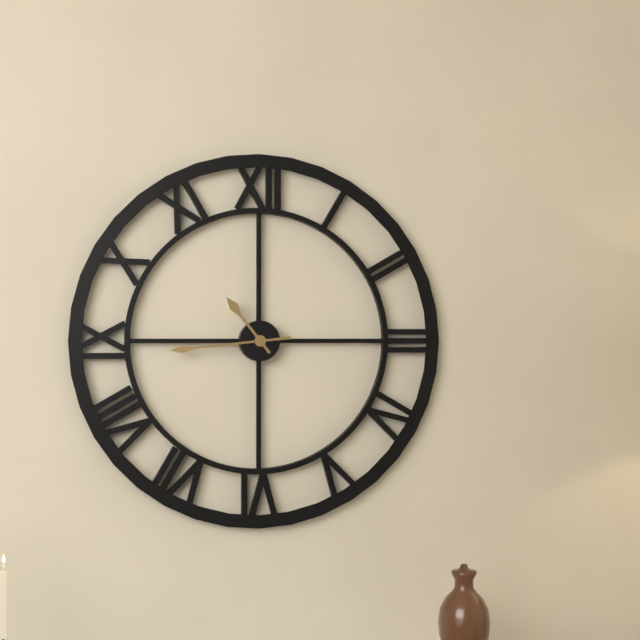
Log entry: 10:44
